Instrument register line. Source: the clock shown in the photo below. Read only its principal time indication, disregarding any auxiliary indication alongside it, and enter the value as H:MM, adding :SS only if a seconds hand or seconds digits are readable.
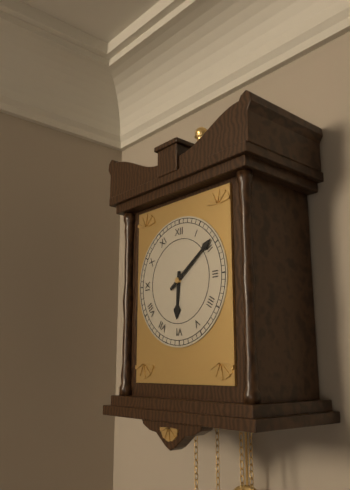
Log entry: 6:09
